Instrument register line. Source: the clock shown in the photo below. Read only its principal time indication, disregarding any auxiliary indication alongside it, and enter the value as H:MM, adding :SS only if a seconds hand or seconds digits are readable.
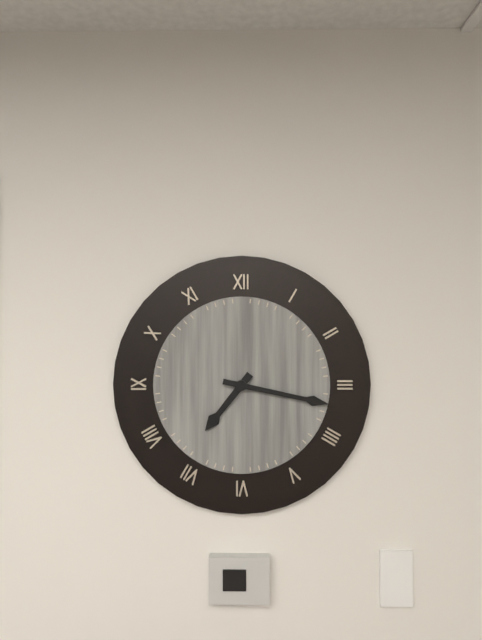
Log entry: 7:17
